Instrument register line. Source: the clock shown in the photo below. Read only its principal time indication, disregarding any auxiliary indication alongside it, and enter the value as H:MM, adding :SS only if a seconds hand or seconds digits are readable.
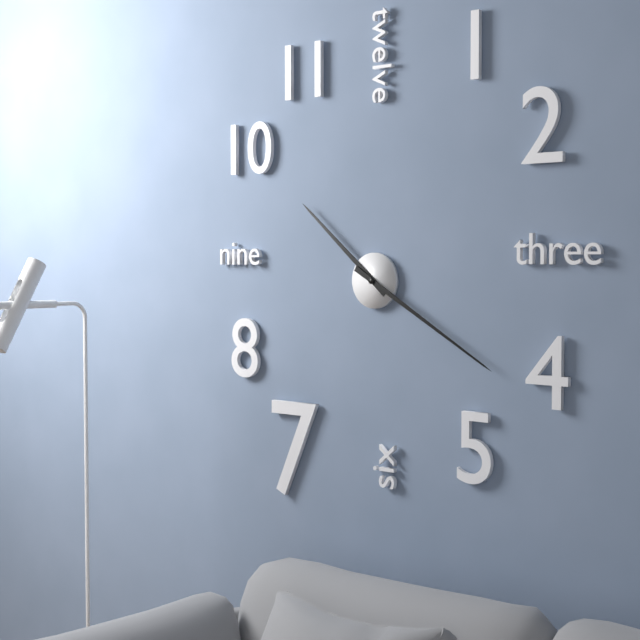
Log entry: 10:20
